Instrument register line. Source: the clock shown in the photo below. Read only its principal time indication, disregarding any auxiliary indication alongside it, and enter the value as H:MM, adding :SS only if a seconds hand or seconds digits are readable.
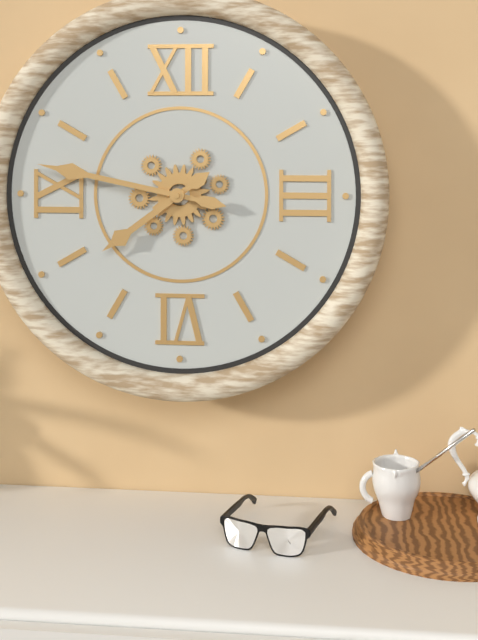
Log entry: 7:47
